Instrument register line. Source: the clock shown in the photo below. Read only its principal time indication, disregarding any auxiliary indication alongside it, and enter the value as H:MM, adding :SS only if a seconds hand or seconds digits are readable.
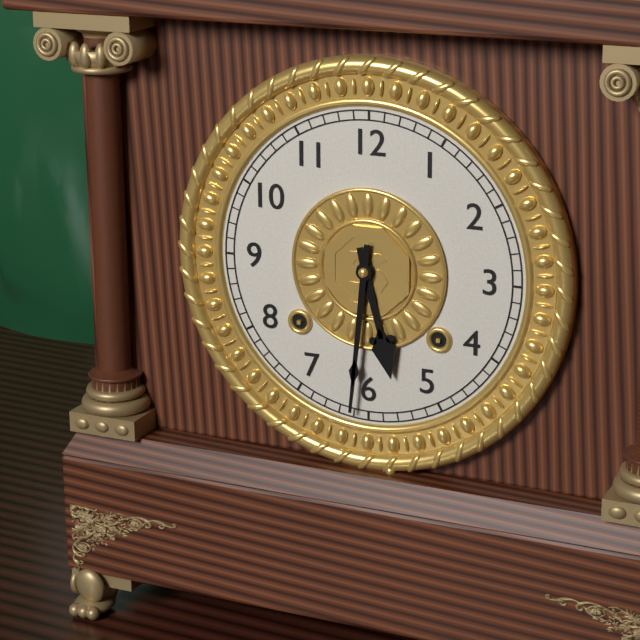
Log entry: 5:31
